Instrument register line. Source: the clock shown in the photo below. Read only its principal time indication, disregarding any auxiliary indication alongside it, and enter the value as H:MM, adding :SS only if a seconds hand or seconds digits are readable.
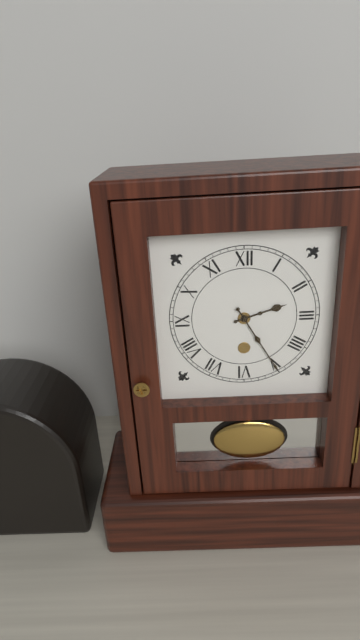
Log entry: 2:25
